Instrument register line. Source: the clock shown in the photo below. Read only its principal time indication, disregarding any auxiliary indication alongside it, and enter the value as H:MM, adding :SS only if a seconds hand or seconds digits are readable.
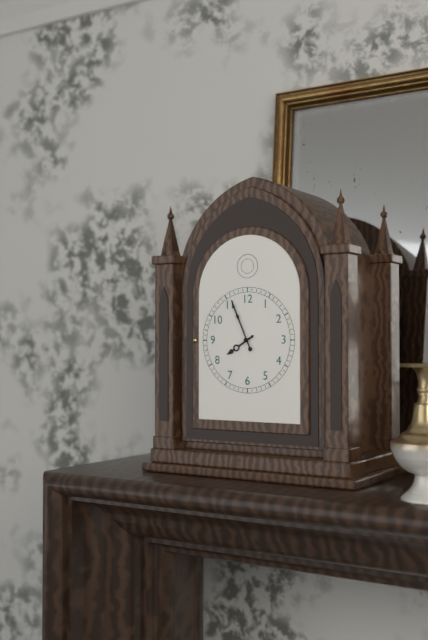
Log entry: 7:56
